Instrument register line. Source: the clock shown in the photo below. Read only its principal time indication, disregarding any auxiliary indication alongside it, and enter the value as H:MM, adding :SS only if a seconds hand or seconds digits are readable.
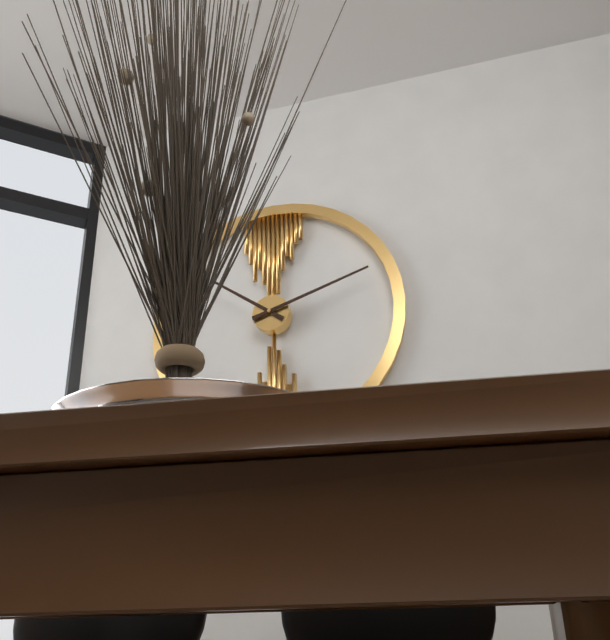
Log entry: 10:12
